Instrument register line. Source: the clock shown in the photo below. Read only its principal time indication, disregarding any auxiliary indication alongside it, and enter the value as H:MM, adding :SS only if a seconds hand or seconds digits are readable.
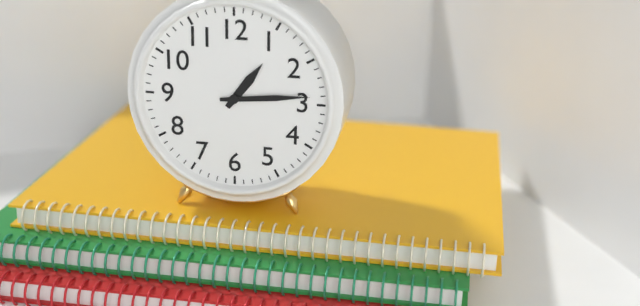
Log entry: 1:14
